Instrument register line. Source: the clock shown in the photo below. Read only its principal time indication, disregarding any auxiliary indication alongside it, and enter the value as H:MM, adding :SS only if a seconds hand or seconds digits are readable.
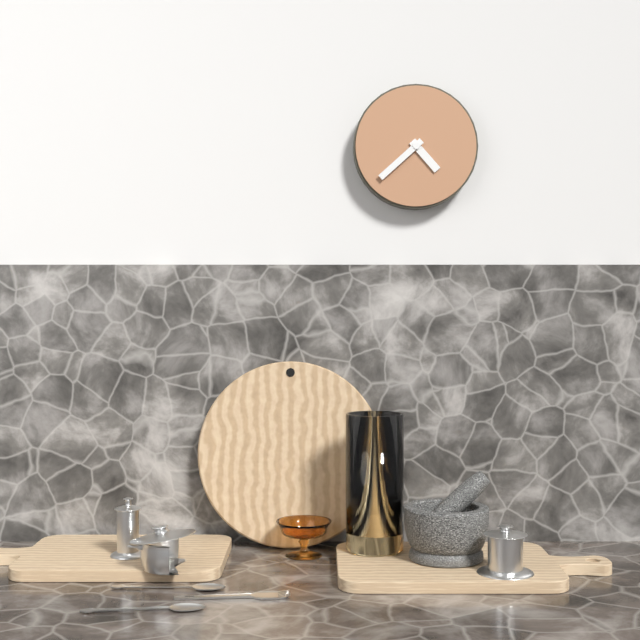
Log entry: 4:38
